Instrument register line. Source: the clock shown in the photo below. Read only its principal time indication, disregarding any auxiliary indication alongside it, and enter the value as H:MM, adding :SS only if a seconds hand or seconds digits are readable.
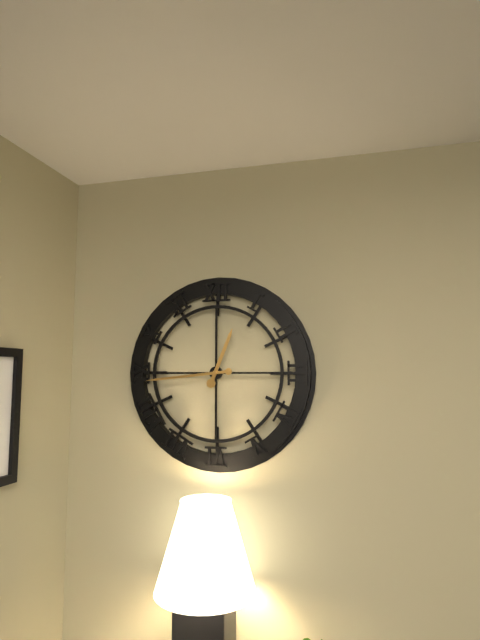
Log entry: 12:44
